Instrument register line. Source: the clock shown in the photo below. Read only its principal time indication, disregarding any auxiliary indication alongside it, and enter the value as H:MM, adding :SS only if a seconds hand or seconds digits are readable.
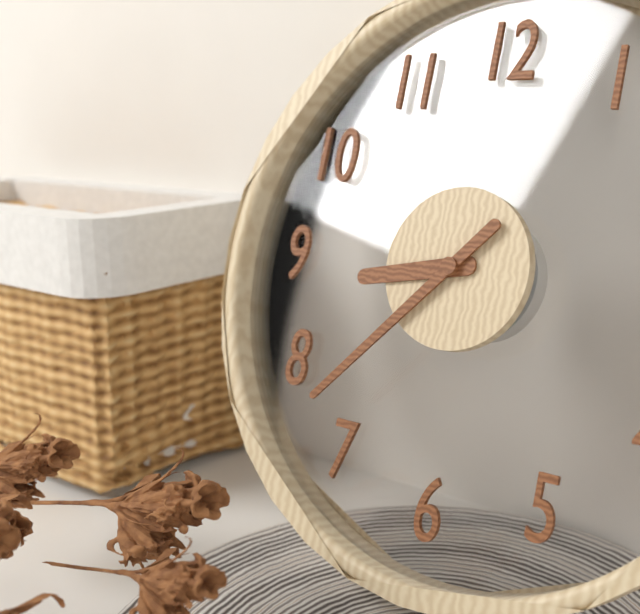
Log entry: 8:37
